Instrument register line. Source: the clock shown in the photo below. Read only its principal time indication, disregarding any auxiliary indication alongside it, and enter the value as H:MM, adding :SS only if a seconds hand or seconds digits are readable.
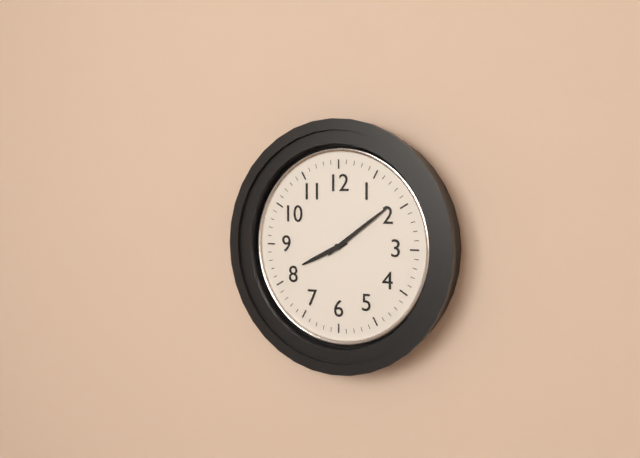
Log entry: 8:09
